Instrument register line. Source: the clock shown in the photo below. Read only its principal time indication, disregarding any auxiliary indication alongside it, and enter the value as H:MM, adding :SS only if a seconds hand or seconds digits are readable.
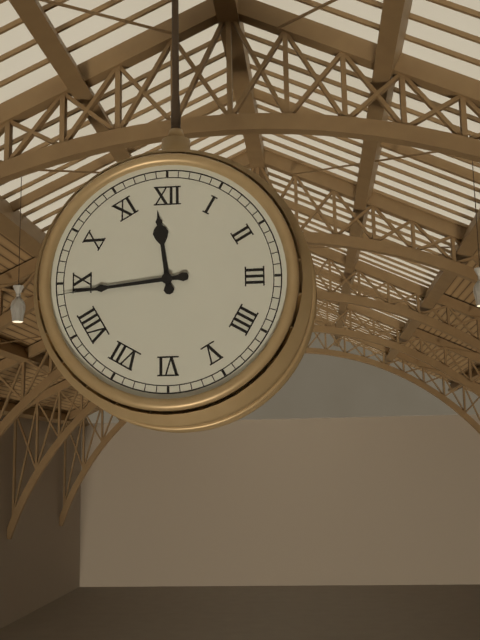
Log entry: 11:44
